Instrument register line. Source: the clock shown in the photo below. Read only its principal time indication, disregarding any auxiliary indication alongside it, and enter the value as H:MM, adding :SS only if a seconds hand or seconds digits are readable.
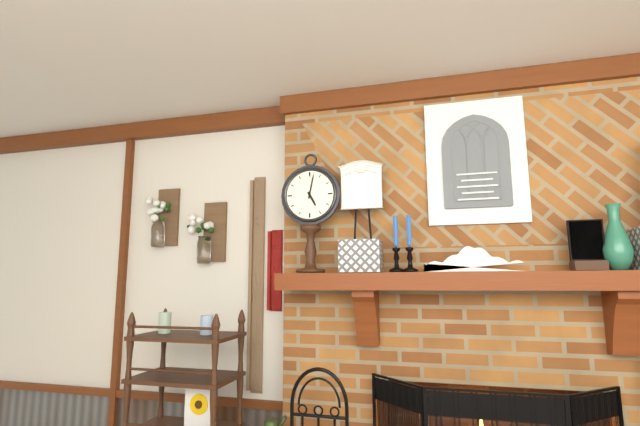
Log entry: 5:02
